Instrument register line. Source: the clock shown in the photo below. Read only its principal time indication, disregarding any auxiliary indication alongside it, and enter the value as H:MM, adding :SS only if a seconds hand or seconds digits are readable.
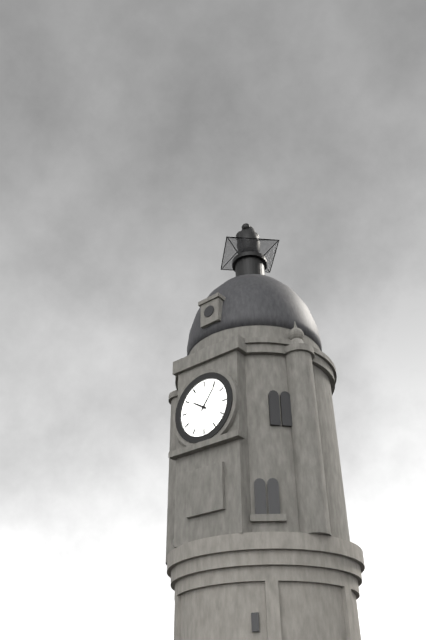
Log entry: 10:06
